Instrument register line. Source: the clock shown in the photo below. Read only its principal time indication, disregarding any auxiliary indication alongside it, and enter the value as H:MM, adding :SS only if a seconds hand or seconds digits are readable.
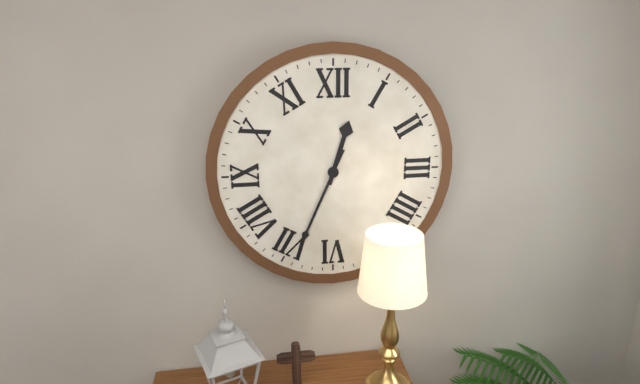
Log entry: 12:34
